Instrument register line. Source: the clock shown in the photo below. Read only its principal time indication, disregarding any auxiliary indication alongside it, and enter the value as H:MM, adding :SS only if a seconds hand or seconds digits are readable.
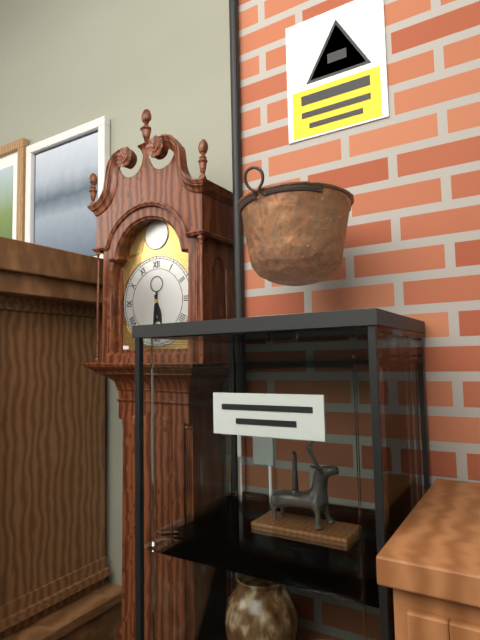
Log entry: 5:31
